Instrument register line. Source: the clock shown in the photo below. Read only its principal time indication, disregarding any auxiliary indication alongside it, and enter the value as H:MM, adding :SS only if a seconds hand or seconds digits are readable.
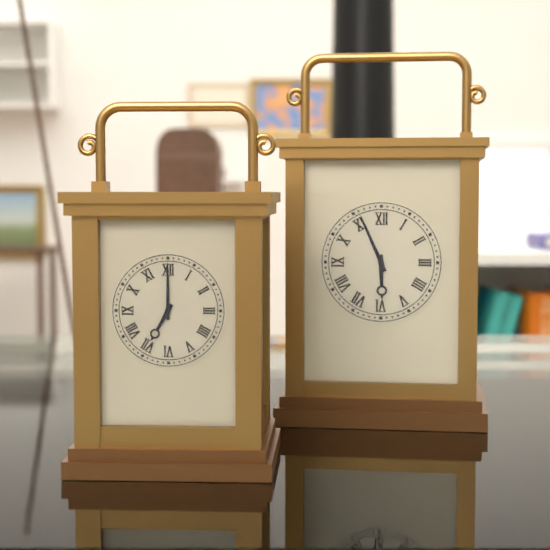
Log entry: 5:56
